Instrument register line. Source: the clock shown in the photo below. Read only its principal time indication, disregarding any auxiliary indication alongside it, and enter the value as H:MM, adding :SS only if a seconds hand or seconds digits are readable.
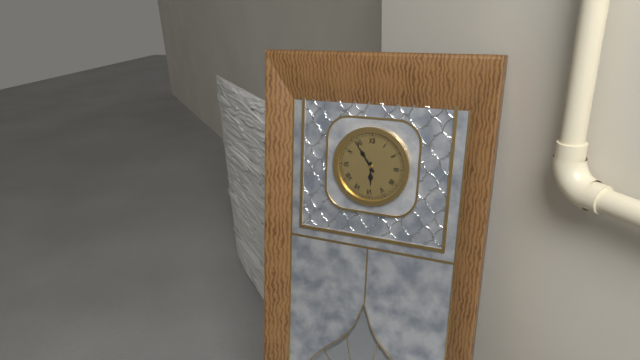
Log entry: 5:54
